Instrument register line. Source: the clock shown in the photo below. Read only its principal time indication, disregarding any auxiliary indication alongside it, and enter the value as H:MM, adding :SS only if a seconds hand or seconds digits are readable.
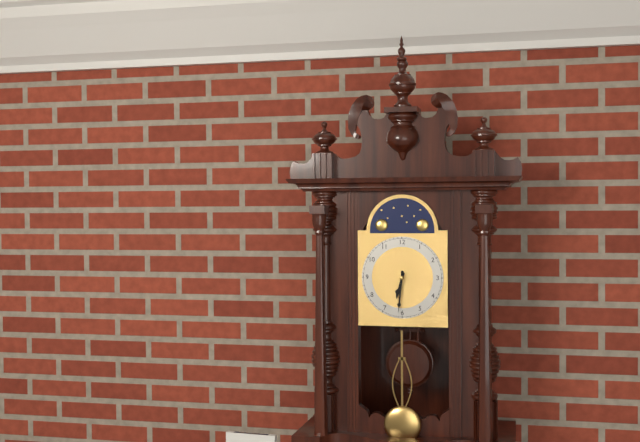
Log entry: 6:31
